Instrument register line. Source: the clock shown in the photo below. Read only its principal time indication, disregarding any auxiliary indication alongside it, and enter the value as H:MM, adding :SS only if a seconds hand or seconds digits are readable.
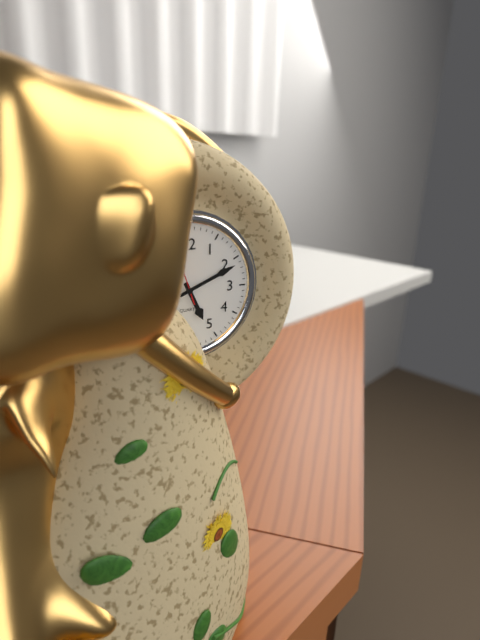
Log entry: 5:11
